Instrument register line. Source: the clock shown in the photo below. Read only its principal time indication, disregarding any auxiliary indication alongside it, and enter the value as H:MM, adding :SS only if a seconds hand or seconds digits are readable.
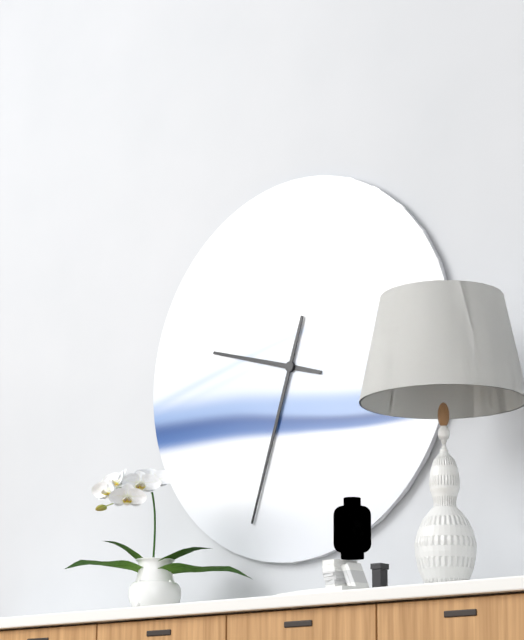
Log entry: 9:33
